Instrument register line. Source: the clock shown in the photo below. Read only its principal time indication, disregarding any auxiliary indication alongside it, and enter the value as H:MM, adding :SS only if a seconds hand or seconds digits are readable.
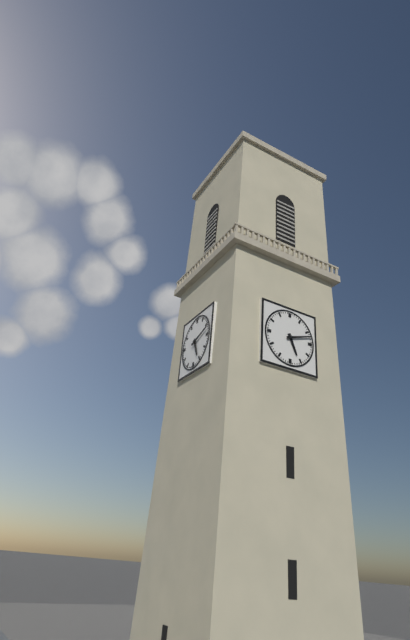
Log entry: 5:12
